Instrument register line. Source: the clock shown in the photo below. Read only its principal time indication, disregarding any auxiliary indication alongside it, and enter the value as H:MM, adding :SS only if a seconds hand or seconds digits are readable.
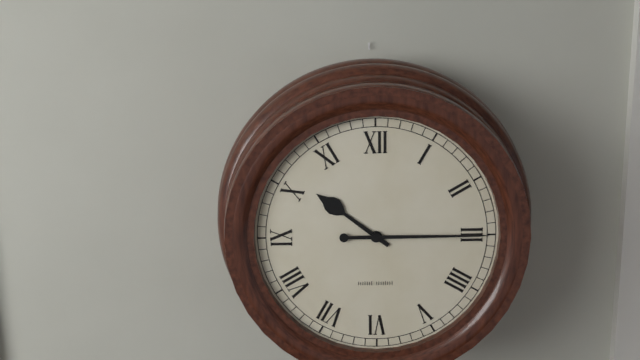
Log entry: 10:15
